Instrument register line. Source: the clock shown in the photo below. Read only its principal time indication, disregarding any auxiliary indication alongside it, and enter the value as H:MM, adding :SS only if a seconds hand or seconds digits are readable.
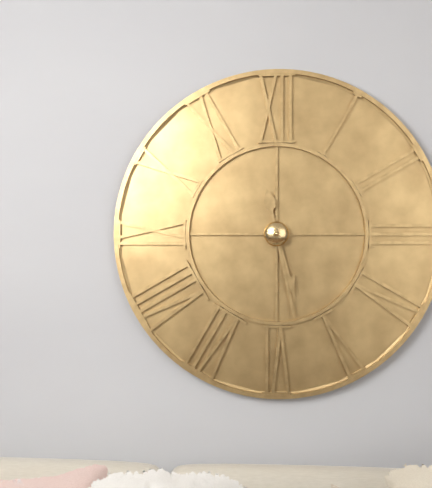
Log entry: 5:28
